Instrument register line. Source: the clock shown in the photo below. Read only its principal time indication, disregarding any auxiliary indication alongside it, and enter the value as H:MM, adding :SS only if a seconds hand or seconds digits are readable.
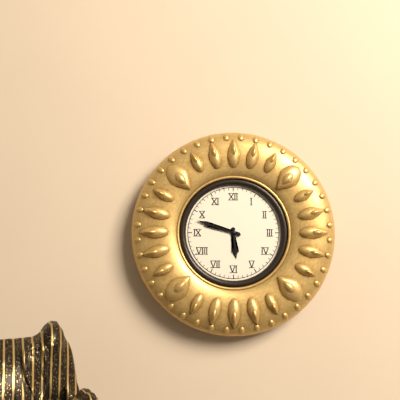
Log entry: 5:48
